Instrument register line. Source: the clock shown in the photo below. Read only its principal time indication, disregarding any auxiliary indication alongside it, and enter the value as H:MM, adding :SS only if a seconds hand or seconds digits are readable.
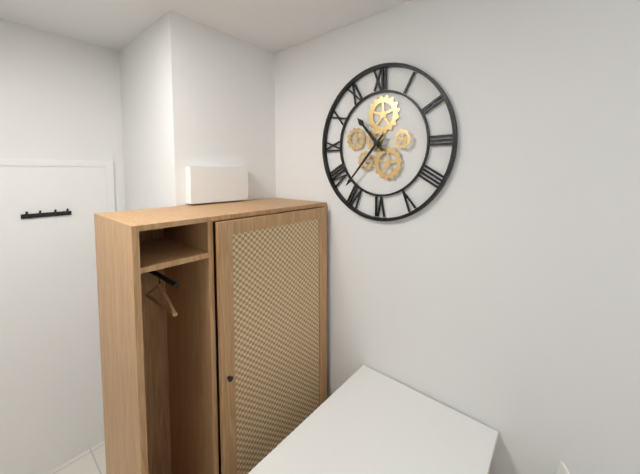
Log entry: 10:37
